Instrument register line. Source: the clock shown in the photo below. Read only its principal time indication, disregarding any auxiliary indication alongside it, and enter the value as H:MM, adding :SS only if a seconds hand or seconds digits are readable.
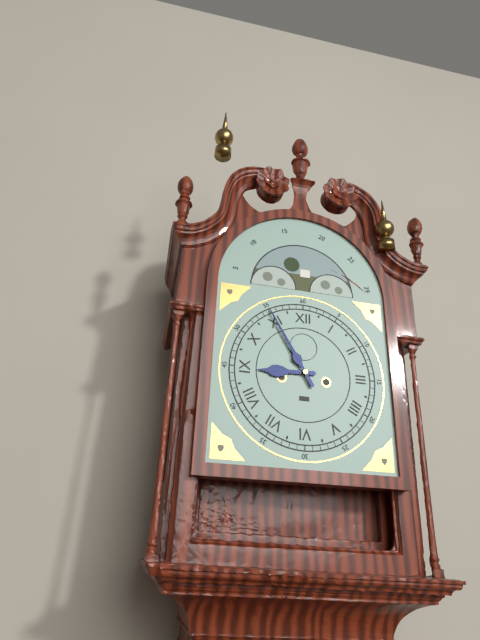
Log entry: 8:55
